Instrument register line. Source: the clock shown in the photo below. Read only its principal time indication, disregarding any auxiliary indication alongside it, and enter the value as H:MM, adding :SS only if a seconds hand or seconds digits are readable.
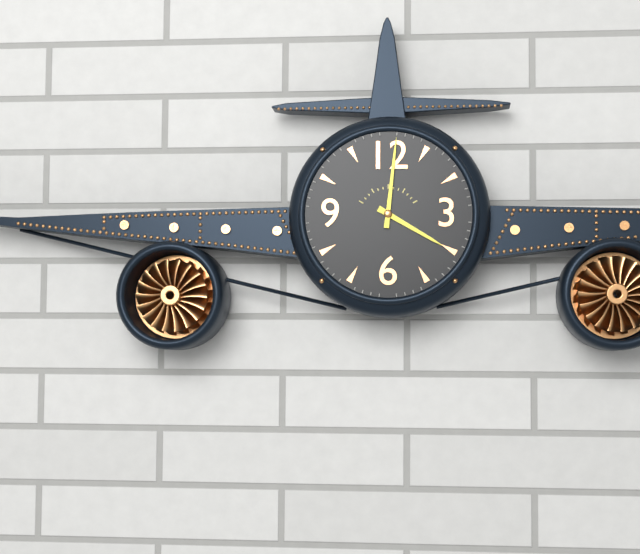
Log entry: 4:01
